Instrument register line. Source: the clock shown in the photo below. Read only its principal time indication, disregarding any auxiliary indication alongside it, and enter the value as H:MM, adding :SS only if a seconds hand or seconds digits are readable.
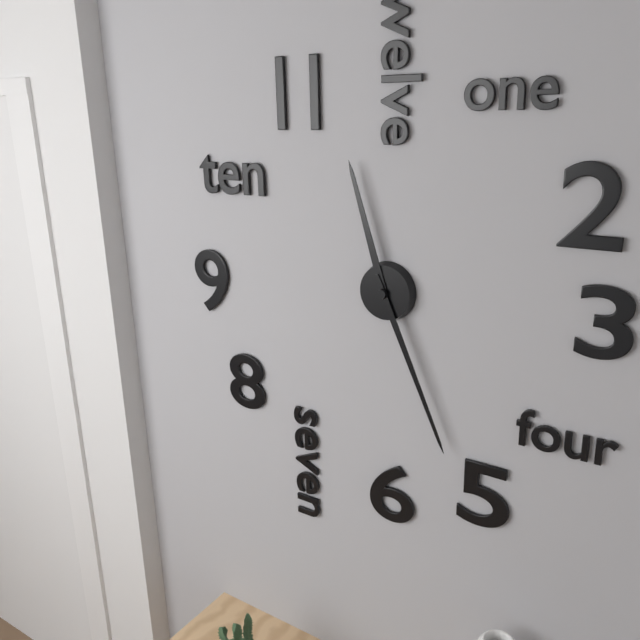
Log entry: 11:26
